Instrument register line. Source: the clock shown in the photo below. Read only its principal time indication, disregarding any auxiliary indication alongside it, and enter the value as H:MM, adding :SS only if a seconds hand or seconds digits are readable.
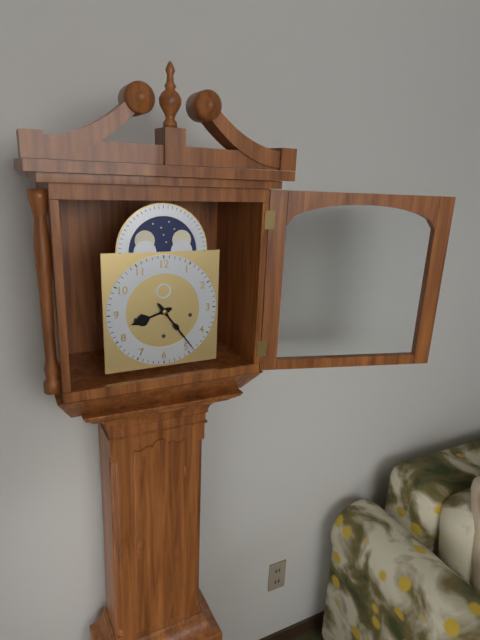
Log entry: 8:24
